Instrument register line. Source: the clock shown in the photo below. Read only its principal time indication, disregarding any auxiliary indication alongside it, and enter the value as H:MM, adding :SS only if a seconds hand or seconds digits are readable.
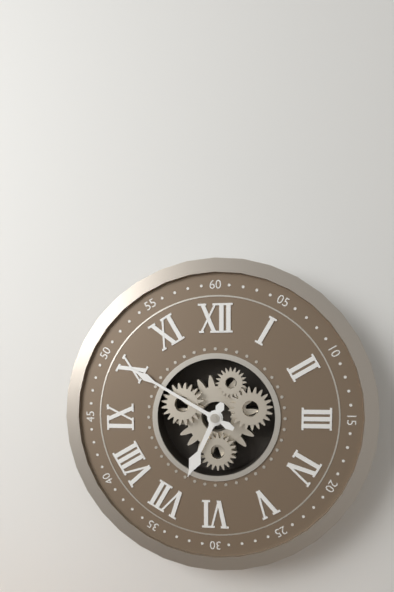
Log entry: 6:50
